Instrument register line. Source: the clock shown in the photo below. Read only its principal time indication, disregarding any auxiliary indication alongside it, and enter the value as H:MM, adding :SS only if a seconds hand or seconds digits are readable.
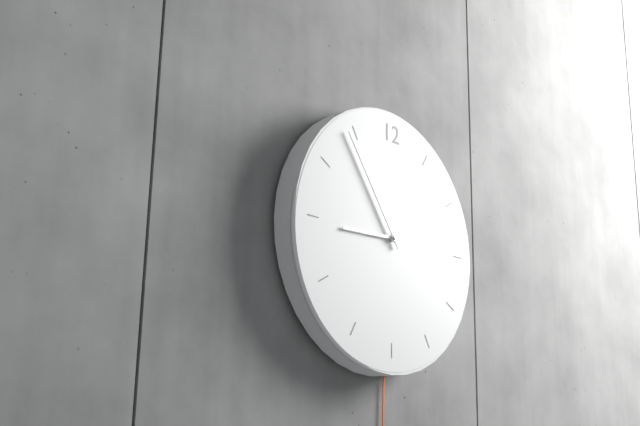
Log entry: 8:54
